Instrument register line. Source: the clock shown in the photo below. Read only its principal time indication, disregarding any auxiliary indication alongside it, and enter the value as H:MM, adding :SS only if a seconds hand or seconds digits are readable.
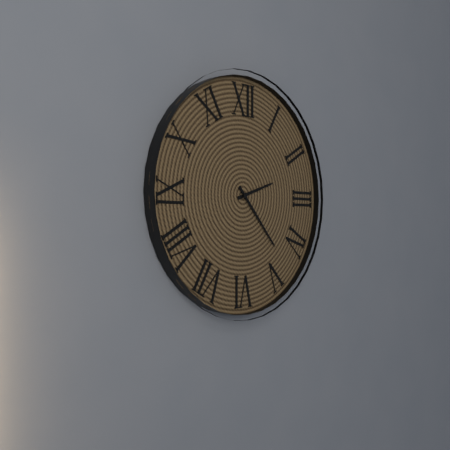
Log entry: 2:23
